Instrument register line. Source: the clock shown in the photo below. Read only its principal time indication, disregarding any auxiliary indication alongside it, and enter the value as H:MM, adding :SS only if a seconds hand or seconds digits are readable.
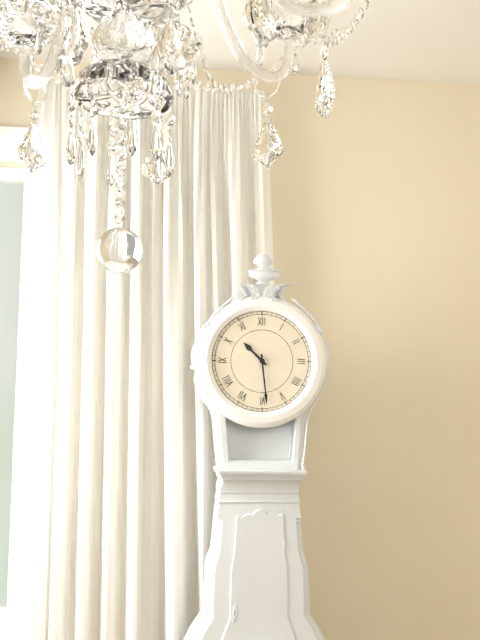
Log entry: 10:29
